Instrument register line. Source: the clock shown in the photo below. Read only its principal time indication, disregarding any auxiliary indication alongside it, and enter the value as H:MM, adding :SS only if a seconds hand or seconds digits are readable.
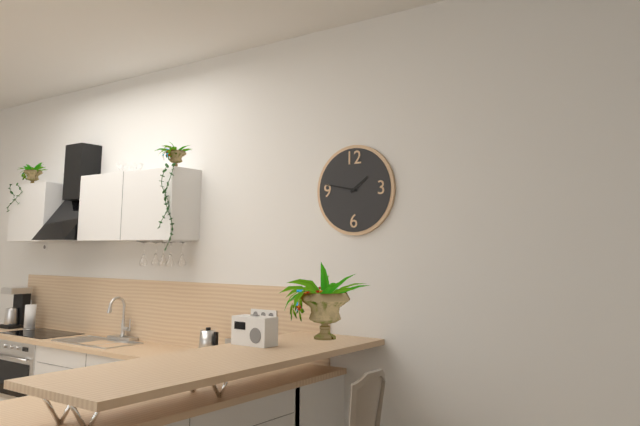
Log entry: 1:47
